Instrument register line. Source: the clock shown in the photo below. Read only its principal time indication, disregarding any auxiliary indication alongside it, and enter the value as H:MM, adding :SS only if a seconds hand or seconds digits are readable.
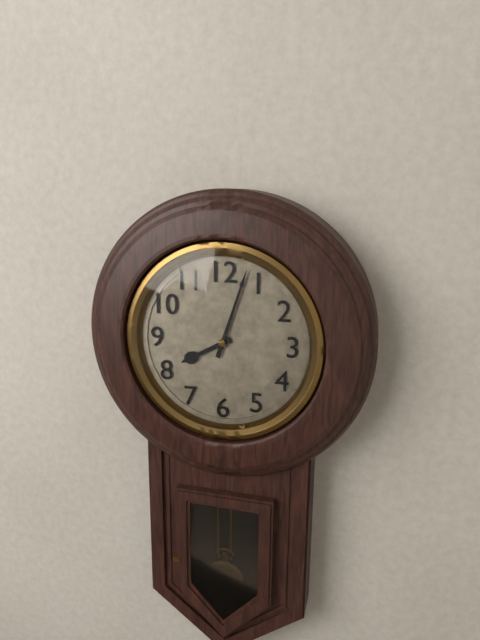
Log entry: 8:03
